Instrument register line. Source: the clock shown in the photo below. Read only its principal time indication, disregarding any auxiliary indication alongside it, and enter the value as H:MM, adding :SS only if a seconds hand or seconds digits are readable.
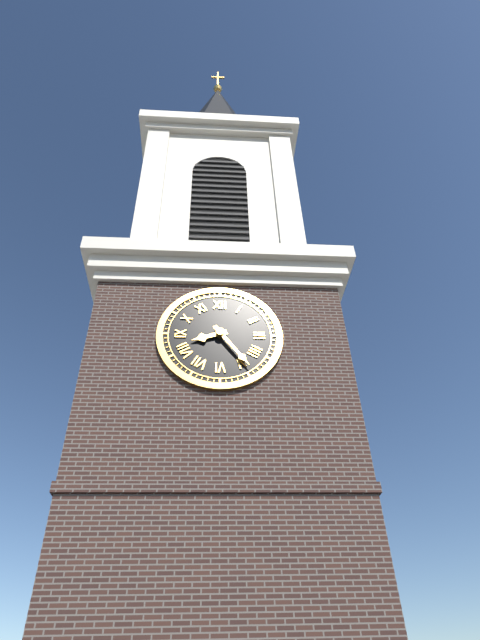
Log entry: 8:24
